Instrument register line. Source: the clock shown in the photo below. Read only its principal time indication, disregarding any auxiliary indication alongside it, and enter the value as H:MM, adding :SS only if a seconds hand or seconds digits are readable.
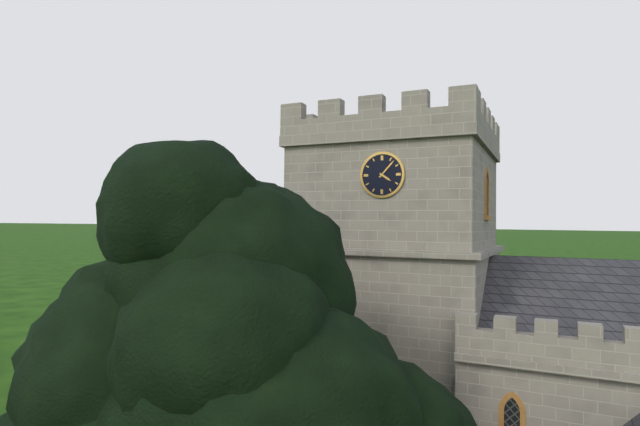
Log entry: 4:07
